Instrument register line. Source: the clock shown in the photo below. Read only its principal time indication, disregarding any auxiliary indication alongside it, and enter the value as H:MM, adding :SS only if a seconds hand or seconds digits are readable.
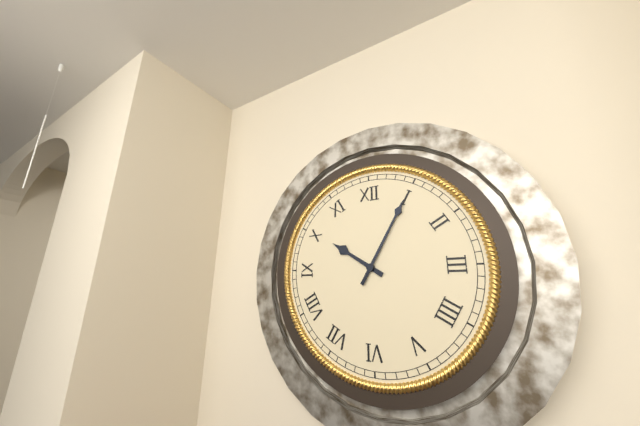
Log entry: 10:05
